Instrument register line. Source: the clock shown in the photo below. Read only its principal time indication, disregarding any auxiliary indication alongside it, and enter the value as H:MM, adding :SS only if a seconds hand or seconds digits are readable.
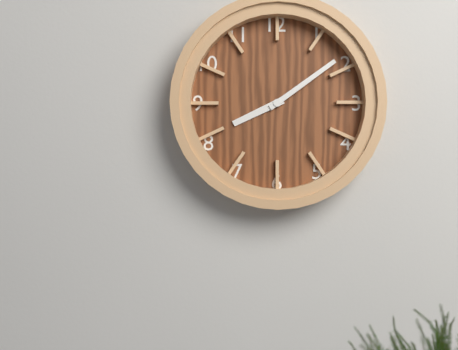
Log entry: 8:09
